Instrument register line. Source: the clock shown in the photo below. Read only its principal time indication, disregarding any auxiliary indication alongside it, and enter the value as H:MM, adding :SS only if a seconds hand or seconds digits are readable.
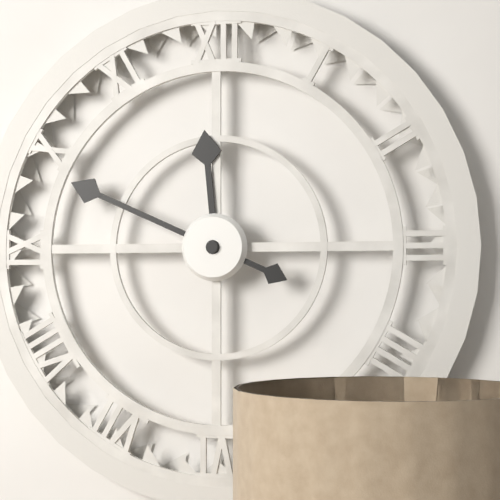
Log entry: 11:49
